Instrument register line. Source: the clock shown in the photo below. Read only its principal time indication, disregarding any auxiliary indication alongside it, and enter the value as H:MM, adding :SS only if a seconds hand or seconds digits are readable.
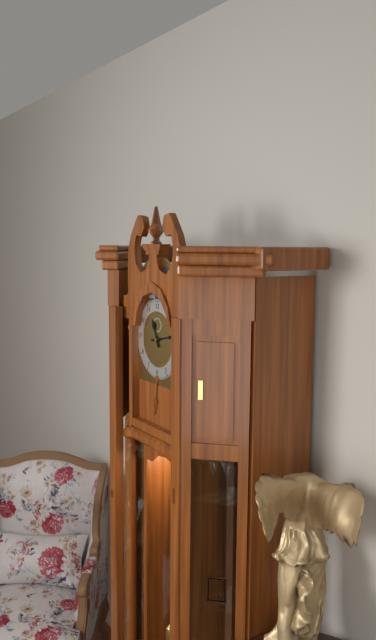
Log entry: 11:13
